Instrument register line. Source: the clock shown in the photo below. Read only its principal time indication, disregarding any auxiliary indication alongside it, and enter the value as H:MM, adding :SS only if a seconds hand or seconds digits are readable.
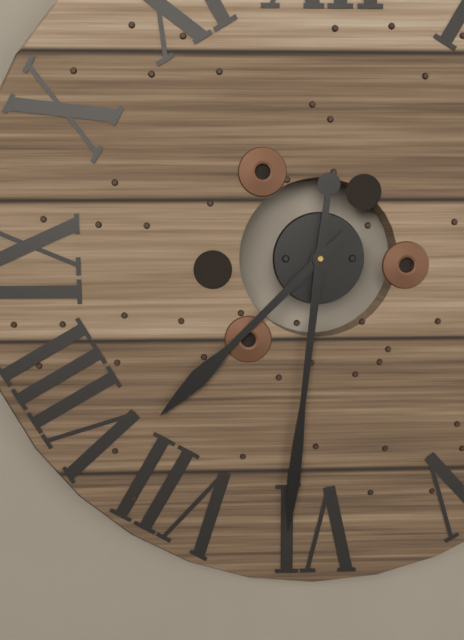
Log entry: 7:31
